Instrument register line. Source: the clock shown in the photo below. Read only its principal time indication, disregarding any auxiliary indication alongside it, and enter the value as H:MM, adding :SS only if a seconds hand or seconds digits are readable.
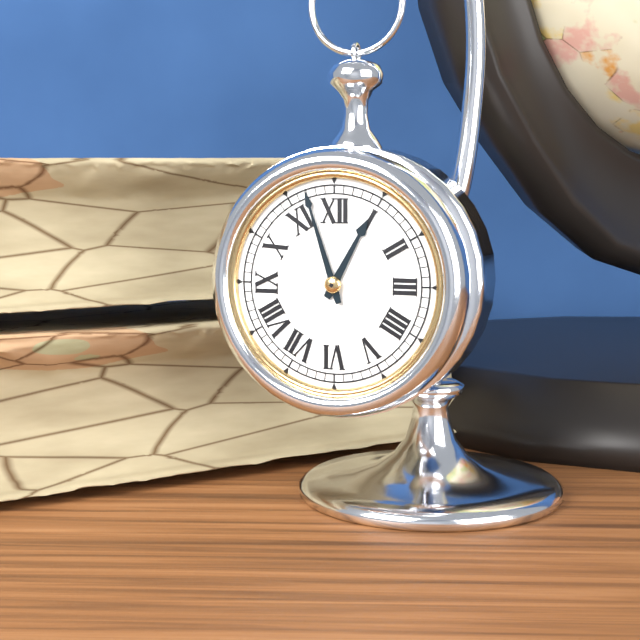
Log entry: 12:57
